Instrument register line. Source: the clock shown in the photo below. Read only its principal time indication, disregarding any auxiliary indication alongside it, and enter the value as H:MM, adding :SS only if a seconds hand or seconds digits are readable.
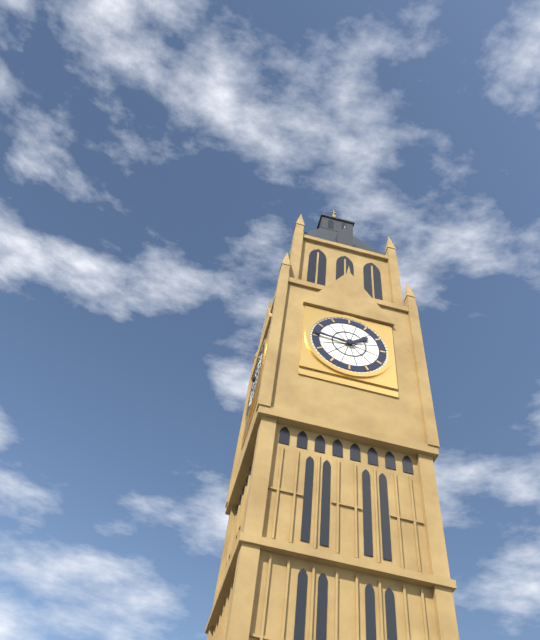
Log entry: 1:46
